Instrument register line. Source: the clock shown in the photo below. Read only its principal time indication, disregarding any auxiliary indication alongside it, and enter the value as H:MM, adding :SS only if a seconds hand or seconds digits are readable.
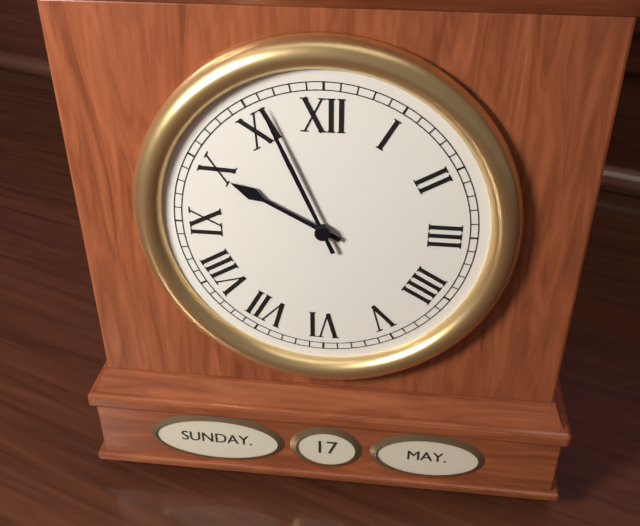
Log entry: 9:56
